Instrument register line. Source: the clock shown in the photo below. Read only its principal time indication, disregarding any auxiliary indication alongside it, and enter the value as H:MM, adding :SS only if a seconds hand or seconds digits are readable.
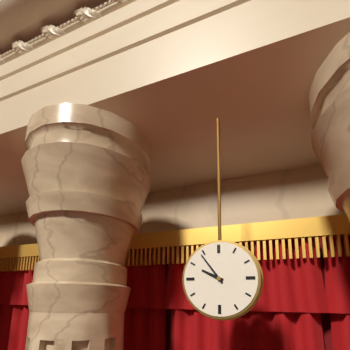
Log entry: 9:54
